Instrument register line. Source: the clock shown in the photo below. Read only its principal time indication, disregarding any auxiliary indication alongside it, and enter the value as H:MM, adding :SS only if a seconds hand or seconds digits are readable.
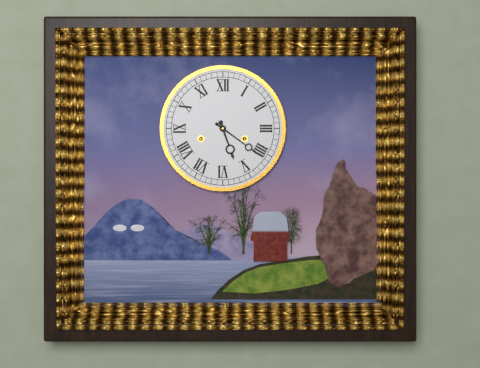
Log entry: 5:21
